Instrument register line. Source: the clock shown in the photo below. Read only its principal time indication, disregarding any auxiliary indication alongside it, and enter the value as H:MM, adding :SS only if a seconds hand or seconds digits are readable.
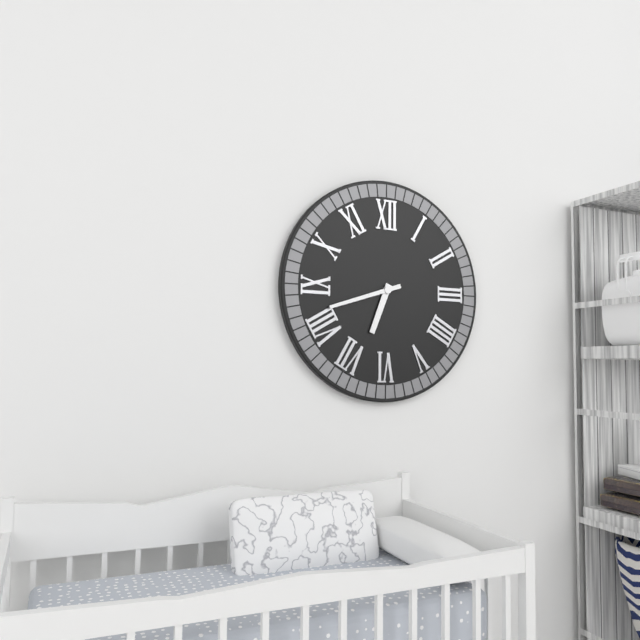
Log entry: 6:42
